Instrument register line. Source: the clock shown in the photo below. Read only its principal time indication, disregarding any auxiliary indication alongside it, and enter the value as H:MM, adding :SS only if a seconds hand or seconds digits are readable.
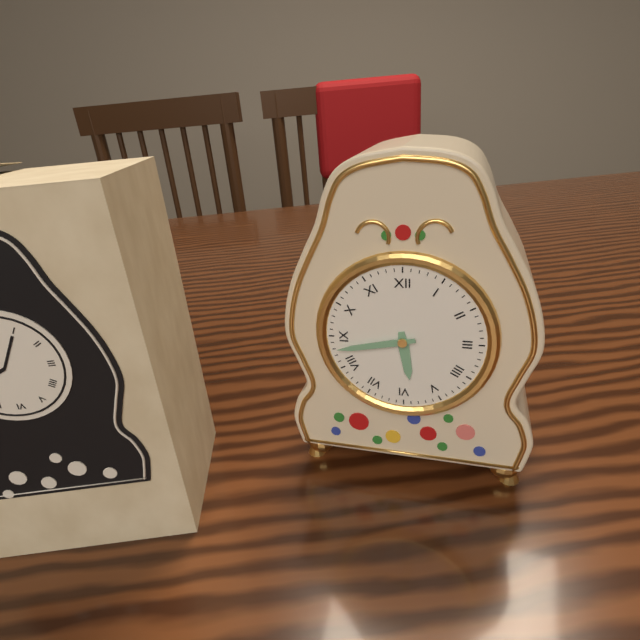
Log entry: 5:43
